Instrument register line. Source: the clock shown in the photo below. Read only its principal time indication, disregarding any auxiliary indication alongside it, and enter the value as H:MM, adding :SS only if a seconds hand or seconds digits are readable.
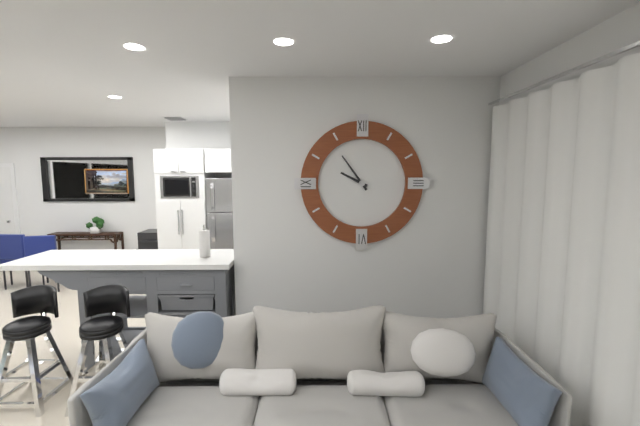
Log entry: 9:54
